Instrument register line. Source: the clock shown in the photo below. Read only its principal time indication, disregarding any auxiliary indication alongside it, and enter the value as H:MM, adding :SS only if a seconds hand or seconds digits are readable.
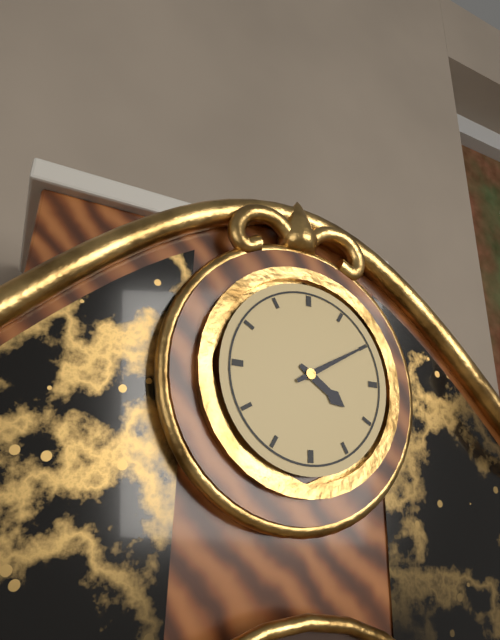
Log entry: 4:10
